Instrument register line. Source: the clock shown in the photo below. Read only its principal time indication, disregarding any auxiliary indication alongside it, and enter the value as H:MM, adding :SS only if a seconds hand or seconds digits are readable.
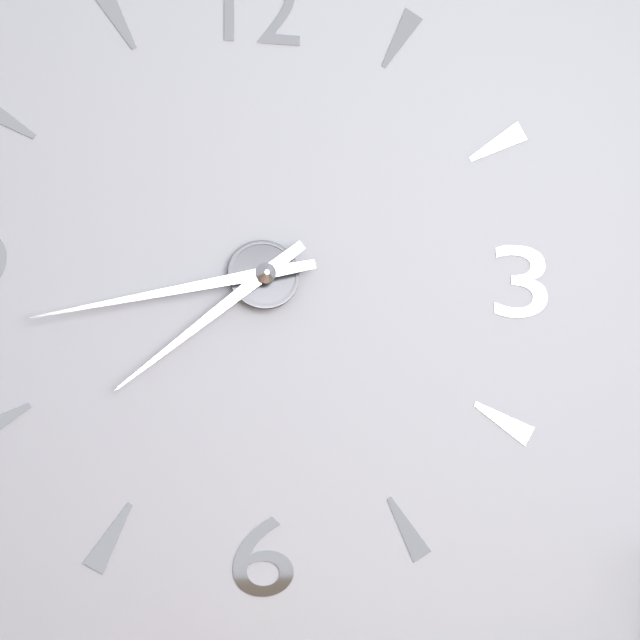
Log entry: 7:43
